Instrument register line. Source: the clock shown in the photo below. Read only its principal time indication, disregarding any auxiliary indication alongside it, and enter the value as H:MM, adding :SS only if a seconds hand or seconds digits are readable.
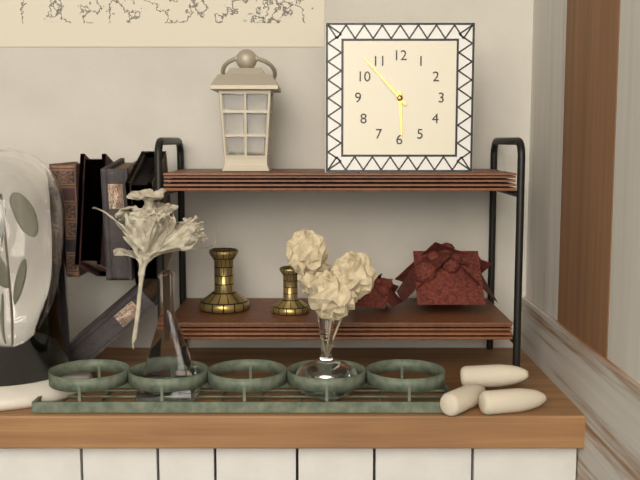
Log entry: 5:53
